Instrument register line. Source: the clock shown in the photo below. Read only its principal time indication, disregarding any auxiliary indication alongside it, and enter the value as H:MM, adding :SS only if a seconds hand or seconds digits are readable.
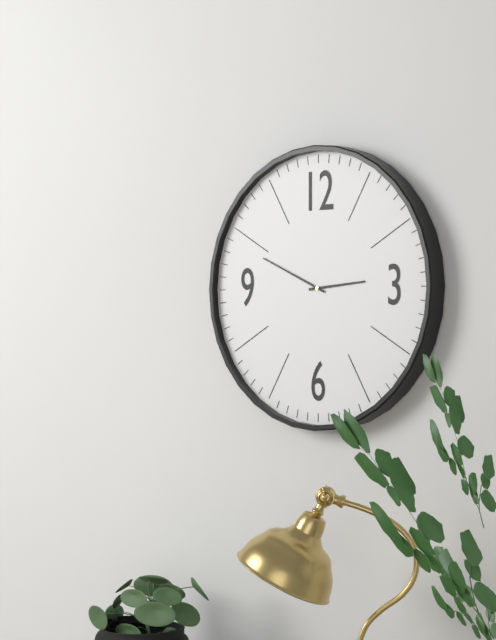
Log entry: 2:49
